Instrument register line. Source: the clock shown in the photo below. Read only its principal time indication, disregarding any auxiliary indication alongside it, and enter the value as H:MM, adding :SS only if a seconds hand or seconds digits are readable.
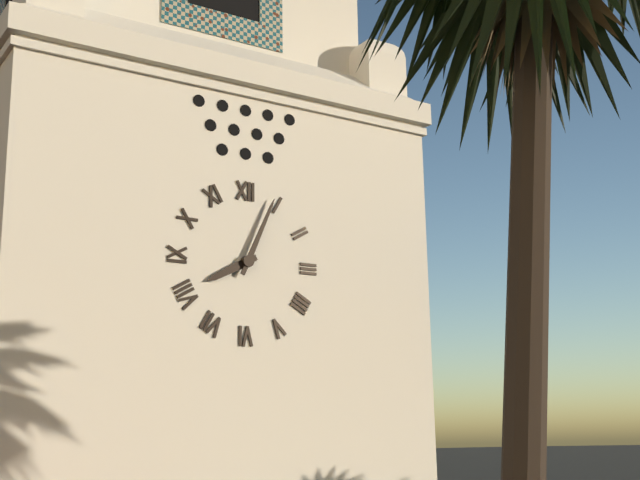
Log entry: 8:04
